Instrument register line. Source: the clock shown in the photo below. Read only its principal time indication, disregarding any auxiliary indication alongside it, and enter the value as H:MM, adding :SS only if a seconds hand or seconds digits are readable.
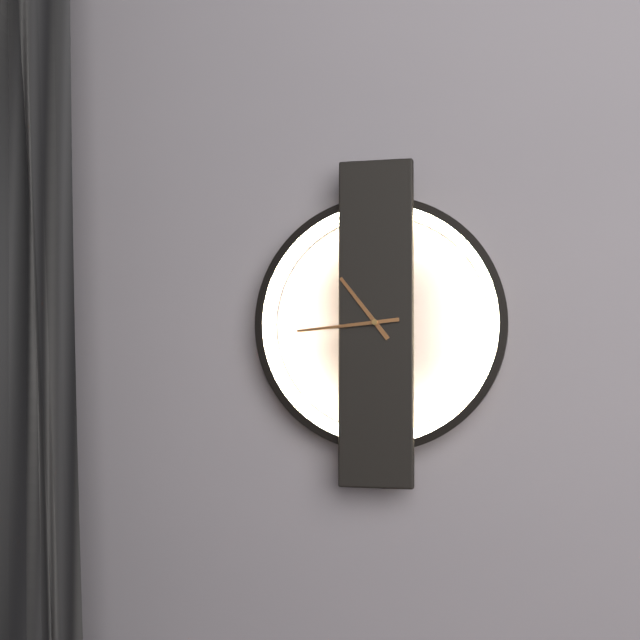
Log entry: 10:44
